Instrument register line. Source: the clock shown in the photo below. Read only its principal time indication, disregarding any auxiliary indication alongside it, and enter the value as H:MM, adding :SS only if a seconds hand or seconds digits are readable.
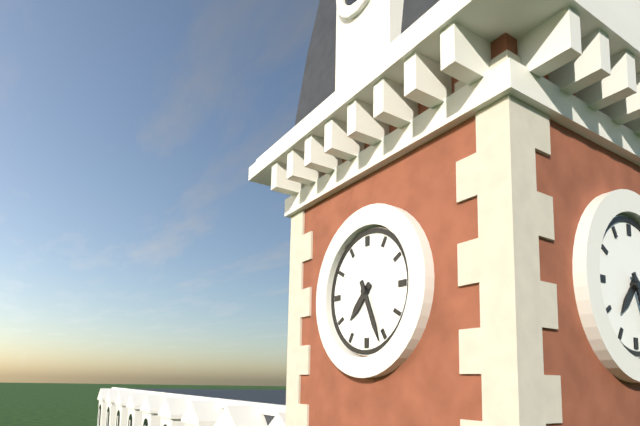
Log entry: 7:26
